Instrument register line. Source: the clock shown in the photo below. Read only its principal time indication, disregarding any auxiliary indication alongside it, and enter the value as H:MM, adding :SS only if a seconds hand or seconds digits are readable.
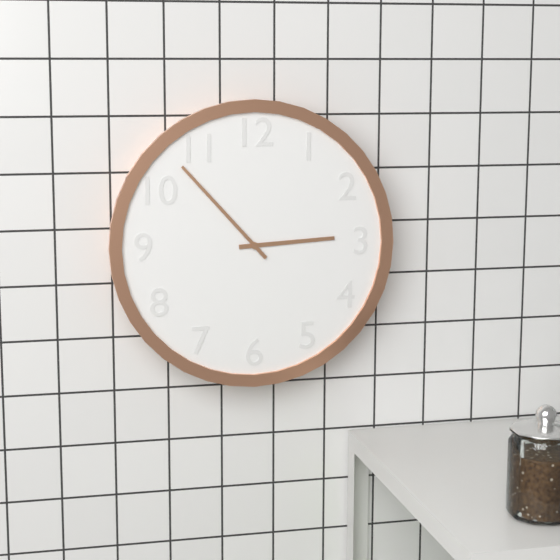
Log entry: 2:53
